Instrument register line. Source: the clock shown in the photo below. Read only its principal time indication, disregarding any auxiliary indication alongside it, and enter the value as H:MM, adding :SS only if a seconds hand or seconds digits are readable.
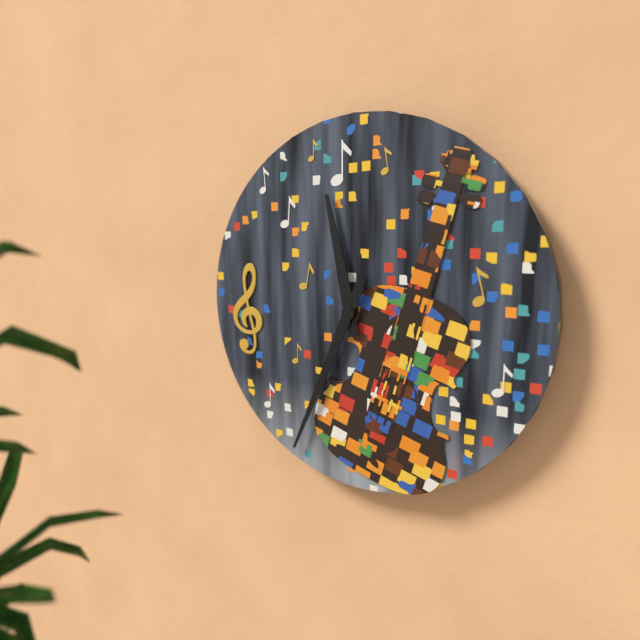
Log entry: 11:34
